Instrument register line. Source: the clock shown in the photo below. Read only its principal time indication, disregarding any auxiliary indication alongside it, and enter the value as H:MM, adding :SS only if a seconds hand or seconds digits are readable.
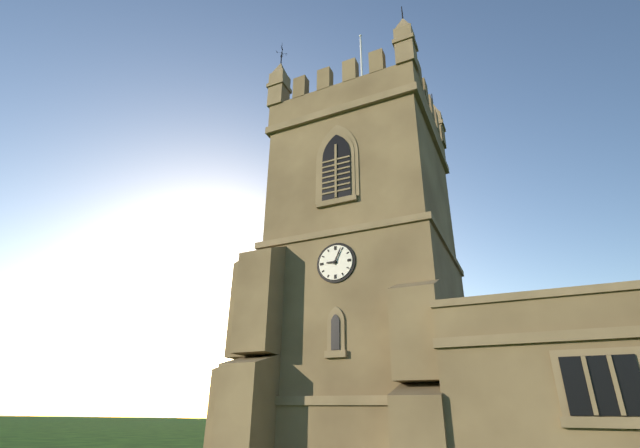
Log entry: 9:04
